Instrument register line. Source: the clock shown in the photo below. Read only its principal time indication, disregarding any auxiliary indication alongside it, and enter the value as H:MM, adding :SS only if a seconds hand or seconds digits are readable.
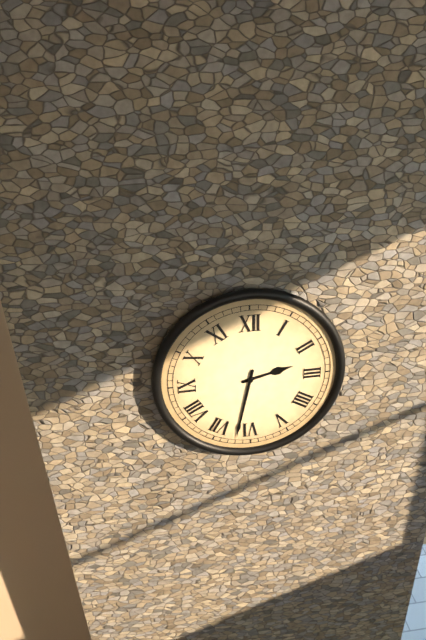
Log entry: 2:32
